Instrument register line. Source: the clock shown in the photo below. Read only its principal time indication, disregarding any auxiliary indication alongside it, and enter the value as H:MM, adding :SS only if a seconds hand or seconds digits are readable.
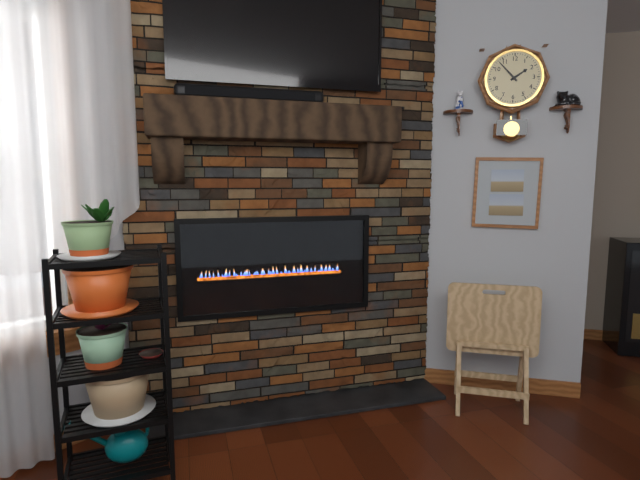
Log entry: 1:53
